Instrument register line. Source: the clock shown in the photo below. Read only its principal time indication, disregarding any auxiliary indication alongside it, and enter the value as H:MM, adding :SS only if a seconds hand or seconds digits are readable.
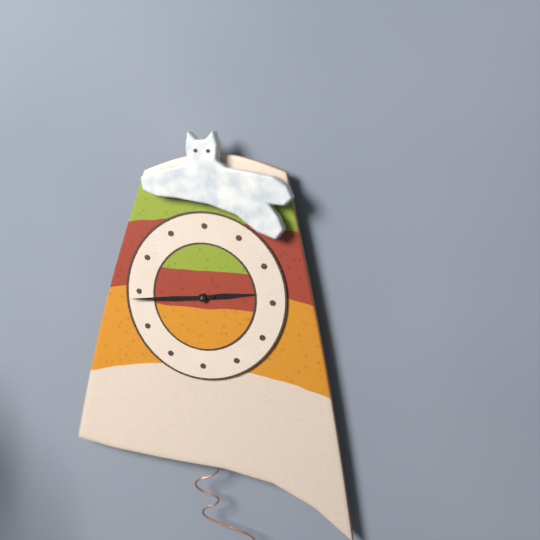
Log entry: 2:44
